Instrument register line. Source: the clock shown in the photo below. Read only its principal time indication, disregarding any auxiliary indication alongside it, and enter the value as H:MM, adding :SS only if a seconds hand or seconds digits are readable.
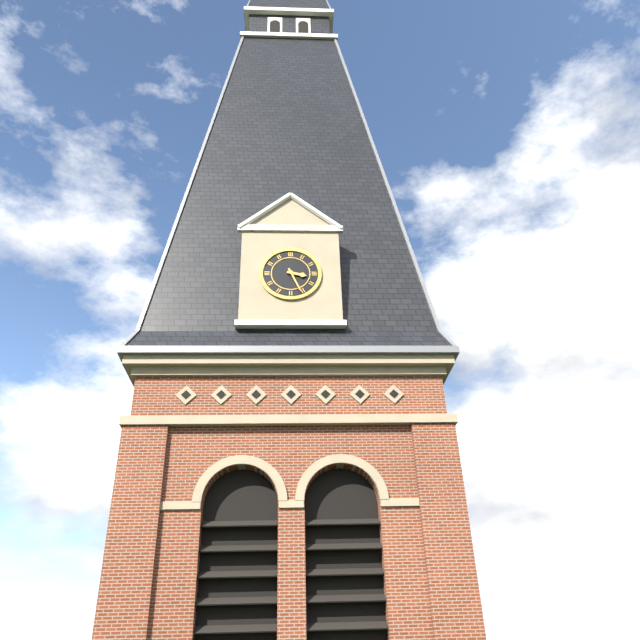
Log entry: 3:26
